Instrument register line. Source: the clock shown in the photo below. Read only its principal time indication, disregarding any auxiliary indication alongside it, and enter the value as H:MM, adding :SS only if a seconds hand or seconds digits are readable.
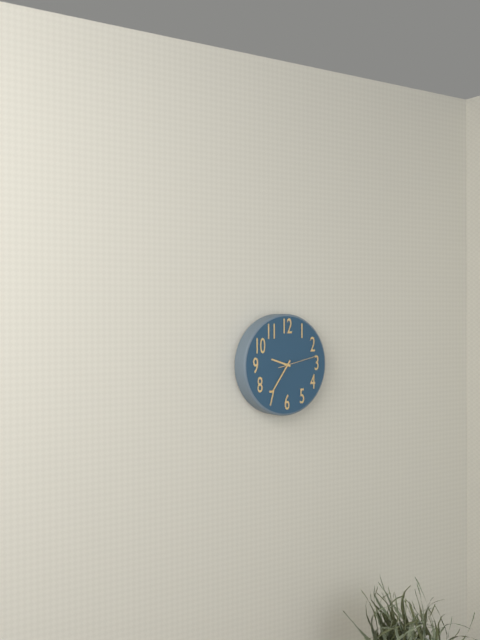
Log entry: 9:36
